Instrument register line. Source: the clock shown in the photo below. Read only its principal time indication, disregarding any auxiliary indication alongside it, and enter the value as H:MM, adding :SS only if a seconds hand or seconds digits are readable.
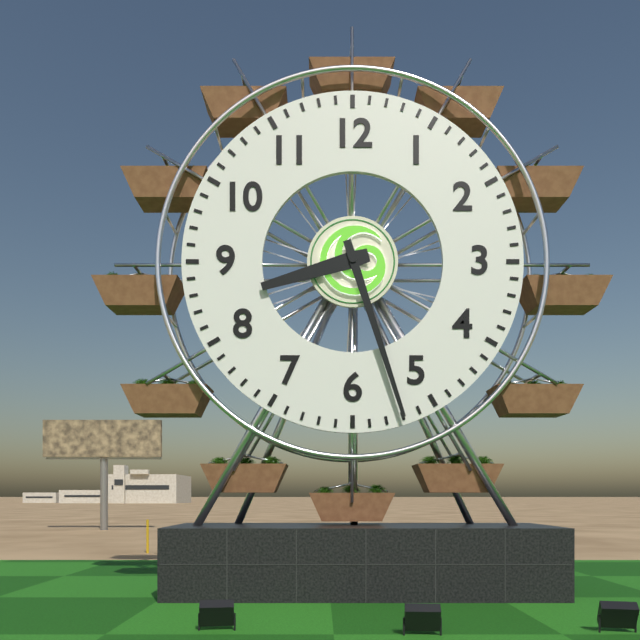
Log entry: 8:27
